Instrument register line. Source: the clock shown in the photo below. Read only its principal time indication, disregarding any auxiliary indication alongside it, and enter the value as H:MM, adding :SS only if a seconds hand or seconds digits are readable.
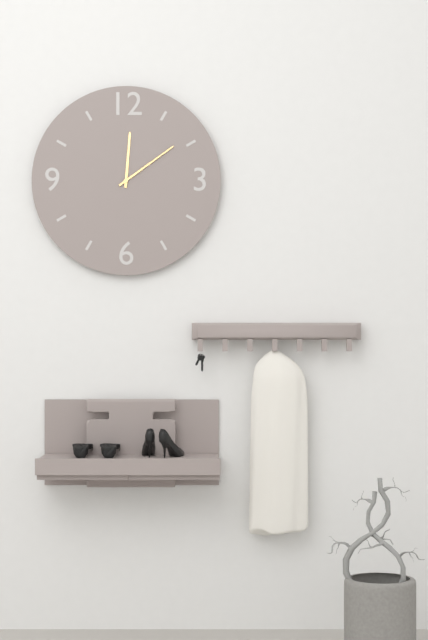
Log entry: 12:09
